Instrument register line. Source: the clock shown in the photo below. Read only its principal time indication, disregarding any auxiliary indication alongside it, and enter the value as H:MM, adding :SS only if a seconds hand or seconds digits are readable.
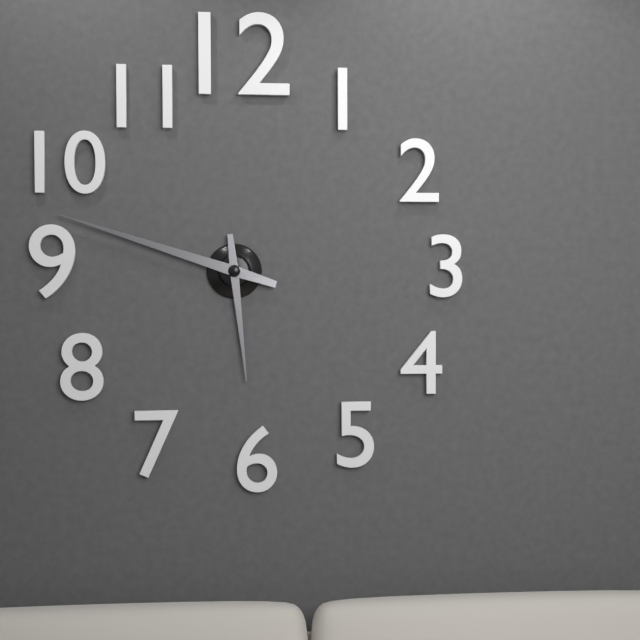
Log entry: 5:48
